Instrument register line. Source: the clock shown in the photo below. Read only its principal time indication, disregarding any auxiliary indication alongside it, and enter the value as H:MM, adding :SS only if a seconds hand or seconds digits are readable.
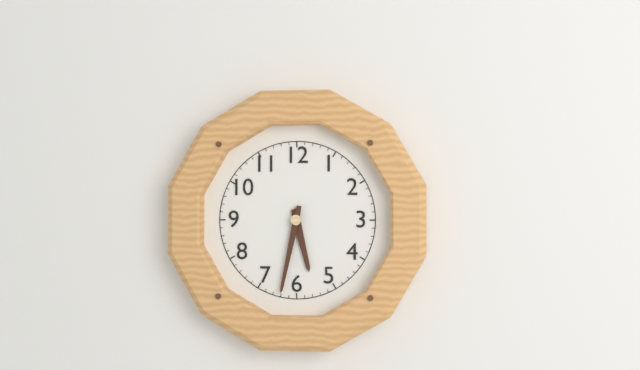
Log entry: 5:32
